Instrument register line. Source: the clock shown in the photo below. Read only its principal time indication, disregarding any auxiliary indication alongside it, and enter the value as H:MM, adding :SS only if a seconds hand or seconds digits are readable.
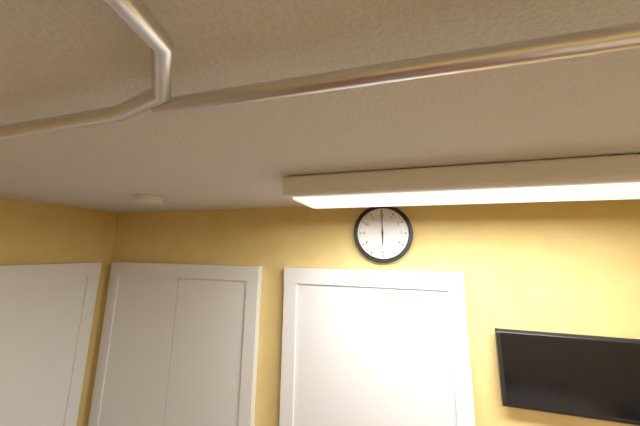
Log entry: 6:00
